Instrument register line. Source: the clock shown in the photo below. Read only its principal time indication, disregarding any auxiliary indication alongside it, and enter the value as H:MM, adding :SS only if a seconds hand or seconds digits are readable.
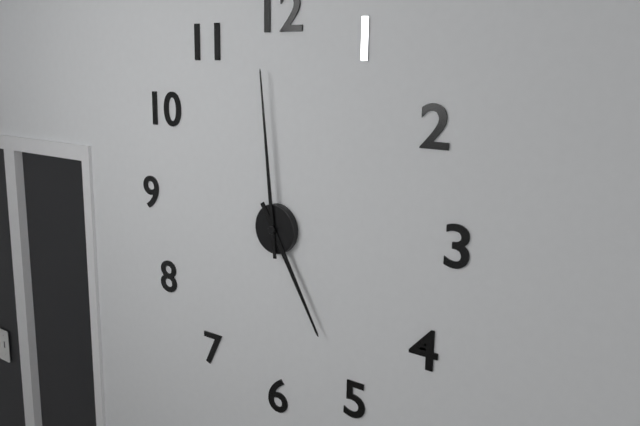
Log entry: 4:59
